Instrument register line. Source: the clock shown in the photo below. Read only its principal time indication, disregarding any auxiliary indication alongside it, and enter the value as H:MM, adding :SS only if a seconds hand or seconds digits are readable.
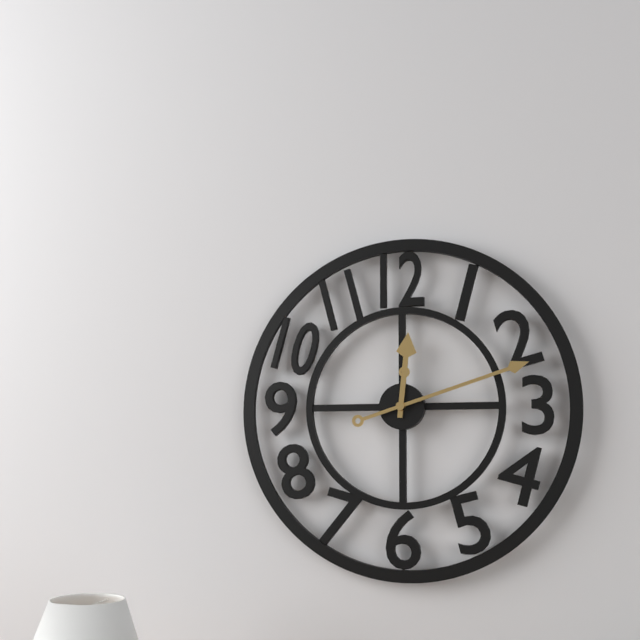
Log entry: 12:12
